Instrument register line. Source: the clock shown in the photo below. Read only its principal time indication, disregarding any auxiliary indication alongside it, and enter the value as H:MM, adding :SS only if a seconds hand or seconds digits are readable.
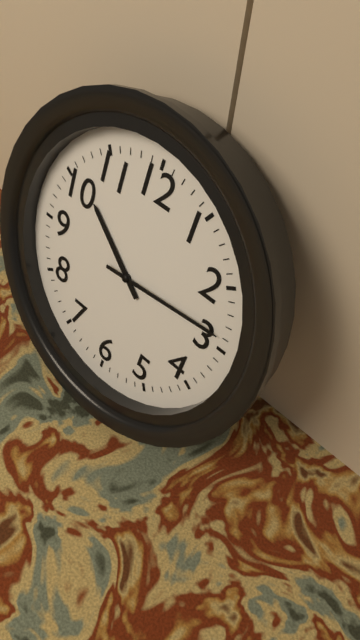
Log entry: 10:14
